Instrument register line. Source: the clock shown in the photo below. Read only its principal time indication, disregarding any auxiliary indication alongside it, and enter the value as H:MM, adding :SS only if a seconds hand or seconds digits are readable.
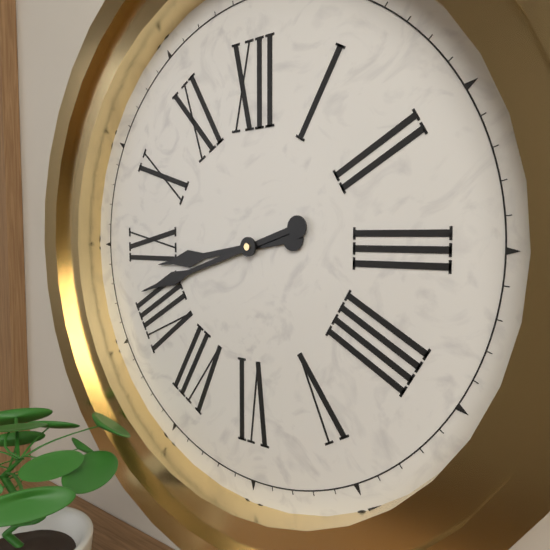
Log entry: 8:42
